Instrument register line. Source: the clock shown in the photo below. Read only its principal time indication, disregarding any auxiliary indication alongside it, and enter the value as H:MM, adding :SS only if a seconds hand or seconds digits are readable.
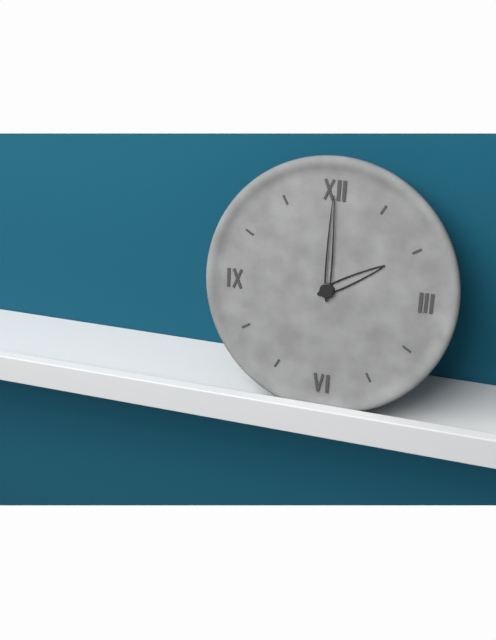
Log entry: 2:00
